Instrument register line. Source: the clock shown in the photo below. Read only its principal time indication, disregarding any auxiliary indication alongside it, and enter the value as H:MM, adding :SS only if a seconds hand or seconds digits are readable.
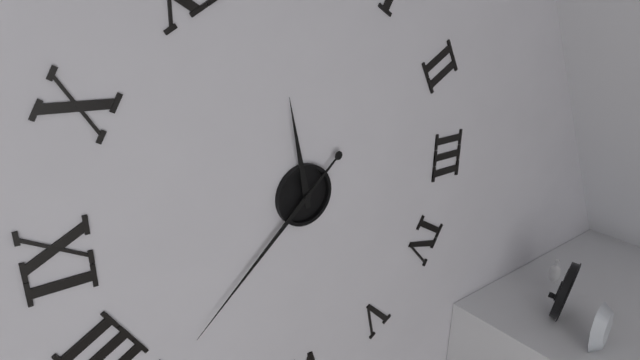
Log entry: 11:38
